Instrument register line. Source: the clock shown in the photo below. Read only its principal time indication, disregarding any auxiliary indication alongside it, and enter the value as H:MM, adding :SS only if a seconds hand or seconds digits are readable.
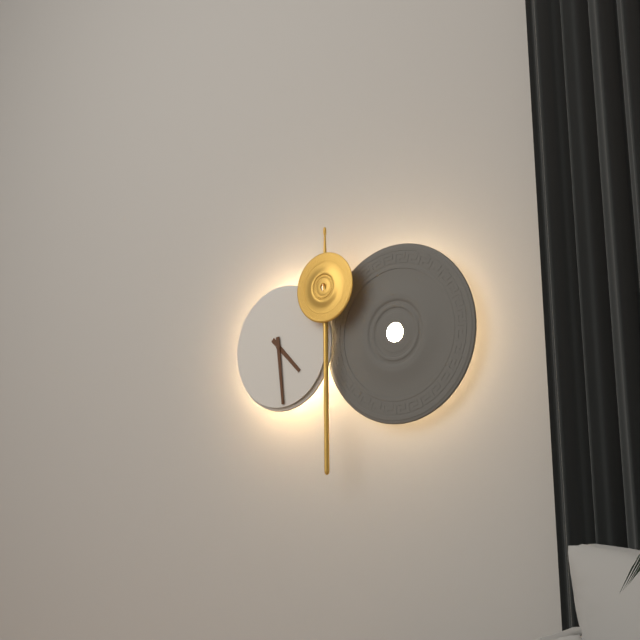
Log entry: 4:29
